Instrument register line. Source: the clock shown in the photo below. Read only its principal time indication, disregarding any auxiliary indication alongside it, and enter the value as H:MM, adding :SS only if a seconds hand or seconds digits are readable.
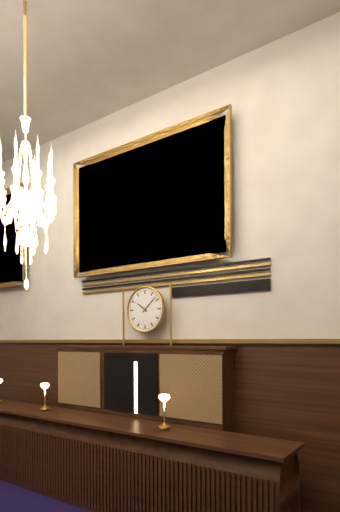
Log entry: 10:08
